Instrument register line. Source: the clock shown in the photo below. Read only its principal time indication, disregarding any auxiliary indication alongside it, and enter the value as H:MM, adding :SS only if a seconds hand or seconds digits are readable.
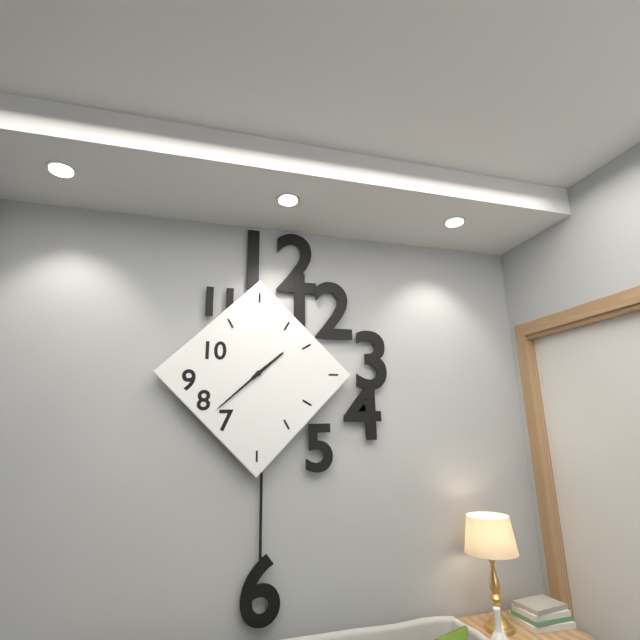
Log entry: 1:38
